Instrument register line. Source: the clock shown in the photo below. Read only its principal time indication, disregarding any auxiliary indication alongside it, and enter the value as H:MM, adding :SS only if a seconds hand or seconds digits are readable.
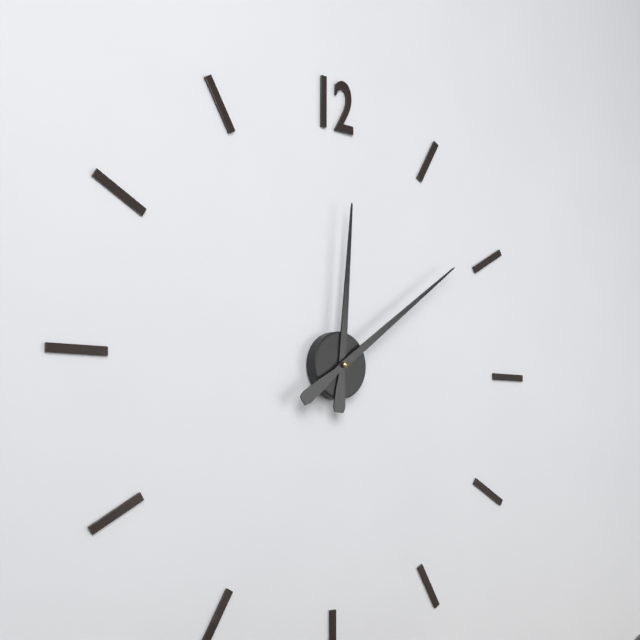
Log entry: 12:09
